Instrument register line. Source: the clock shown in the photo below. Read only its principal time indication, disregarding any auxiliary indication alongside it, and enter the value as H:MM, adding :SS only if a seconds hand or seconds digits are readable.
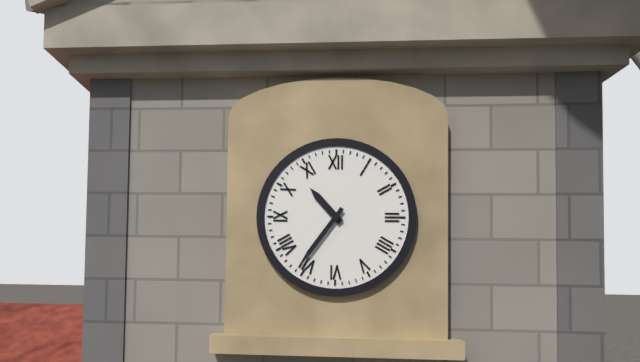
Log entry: 10:36
